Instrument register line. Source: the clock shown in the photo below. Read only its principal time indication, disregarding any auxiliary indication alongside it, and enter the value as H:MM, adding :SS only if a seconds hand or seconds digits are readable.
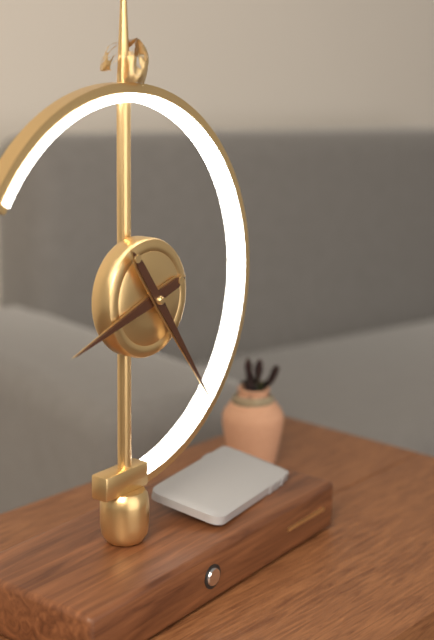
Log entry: 8:24
